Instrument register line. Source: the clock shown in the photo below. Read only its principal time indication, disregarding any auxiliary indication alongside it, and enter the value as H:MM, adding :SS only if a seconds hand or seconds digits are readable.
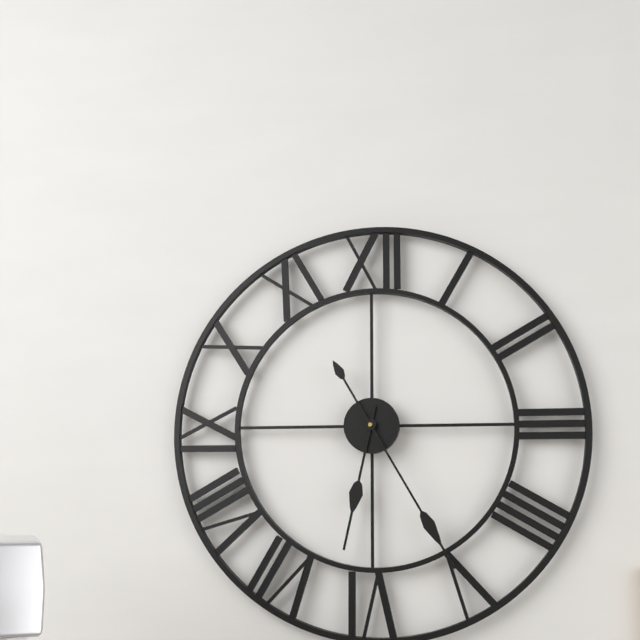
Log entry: 6:25
